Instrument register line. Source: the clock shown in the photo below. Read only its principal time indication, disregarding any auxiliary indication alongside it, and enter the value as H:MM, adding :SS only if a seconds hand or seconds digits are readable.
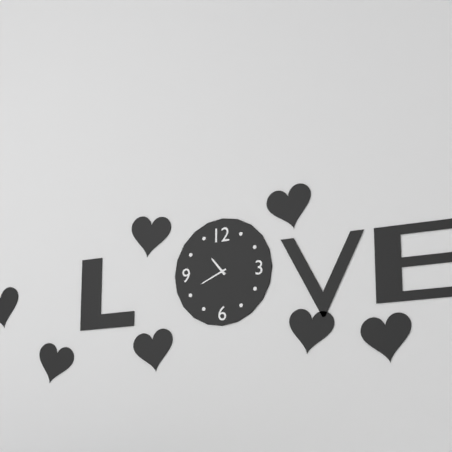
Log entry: 10:41
